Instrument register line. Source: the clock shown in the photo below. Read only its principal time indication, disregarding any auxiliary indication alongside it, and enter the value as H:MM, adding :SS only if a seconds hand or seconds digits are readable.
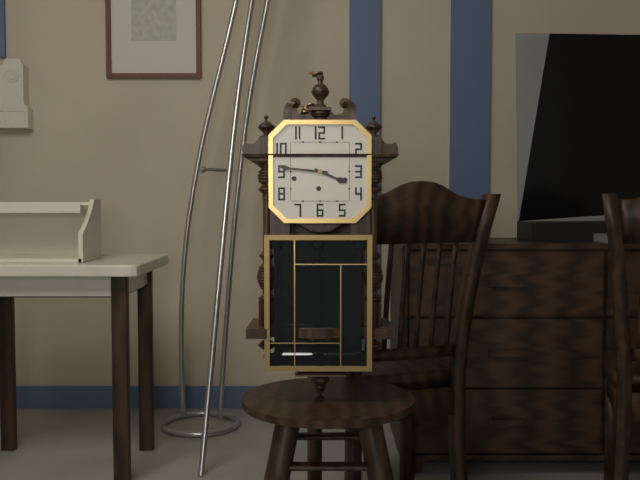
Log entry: 3:46
